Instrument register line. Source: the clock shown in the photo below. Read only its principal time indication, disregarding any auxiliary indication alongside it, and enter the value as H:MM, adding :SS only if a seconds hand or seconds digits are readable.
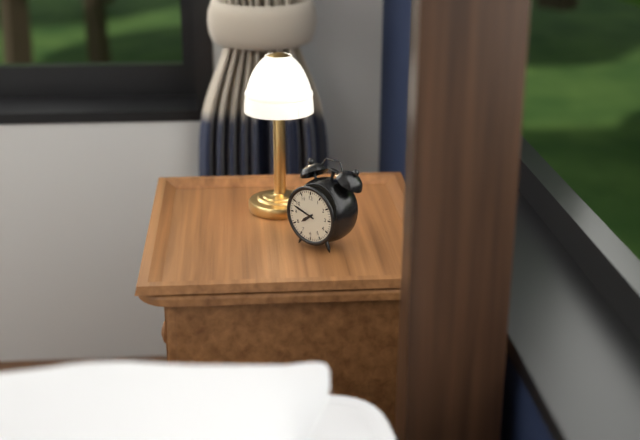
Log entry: 7:48
